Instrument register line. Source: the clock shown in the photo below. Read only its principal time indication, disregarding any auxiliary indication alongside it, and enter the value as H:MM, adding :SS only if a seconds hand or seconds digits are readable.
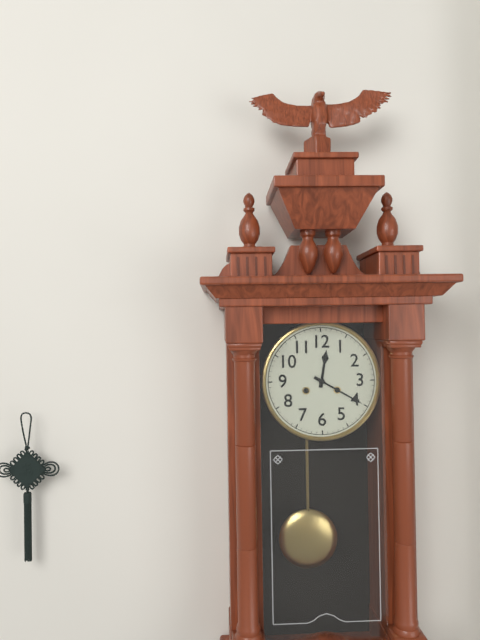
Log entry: 12:20
